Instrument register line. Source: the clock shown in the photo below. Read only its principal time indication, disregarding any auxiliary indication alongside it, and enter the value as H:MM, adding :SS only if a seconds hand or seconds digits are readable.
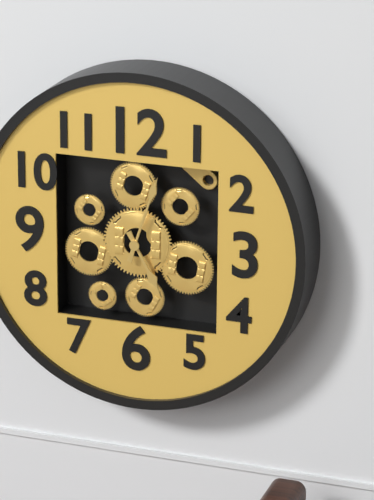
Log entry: 5:03
